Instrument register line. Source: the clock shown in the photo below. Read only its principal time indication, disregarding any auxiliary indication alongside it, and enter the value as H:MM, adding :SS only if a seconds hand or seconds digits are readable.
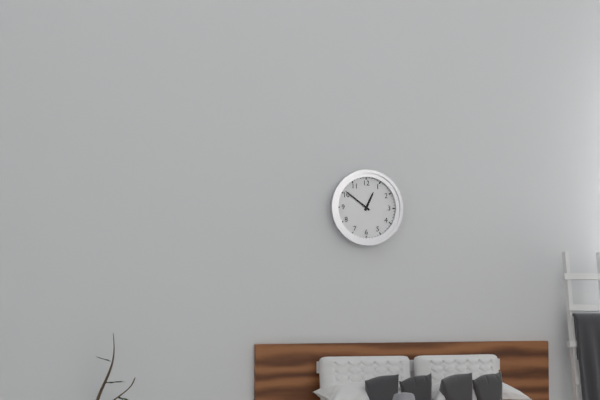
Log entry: 12:51
